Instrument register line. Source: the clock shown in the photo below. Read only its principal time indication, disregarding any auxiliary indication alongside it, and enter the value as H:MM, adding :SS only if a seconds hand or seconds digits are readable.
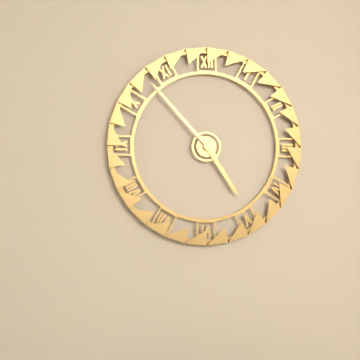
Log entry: 4:53
